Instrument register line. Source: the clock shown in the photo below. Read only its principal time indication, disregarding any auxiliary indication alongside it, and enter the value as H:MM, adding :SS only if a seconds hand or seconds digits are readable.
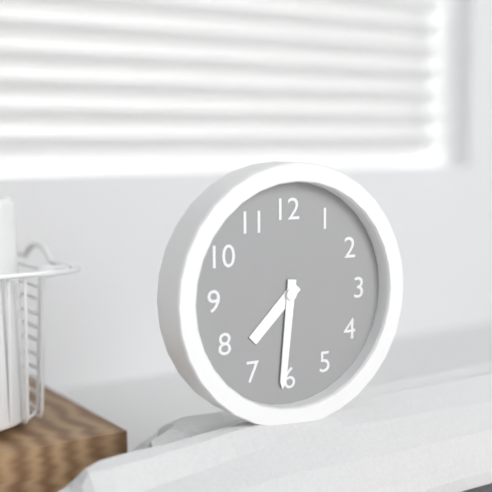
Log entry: 7:31
